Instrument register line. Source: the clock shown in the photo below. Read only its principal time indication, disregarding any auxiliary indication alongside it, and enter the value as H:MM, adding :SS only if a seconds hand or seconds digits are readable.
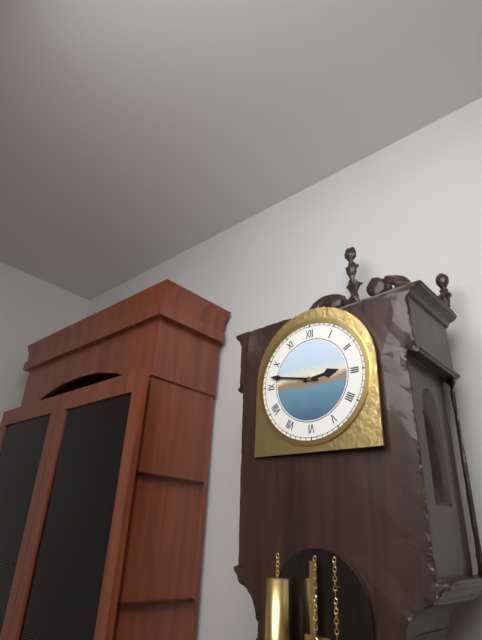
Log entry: 2:47
